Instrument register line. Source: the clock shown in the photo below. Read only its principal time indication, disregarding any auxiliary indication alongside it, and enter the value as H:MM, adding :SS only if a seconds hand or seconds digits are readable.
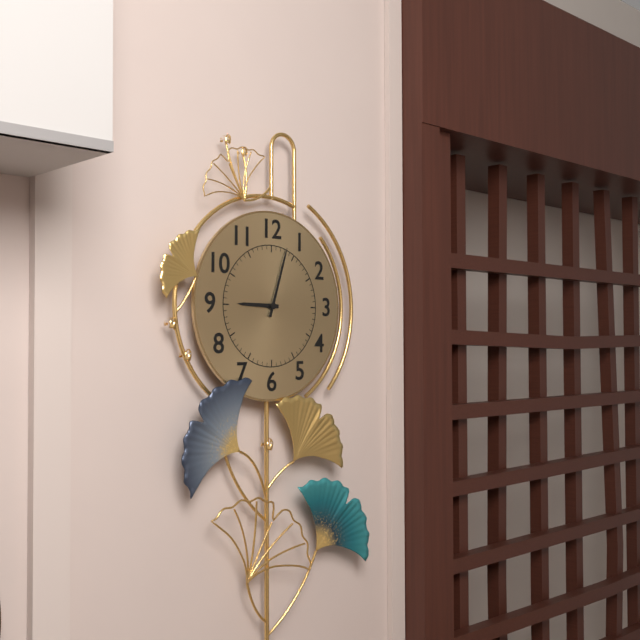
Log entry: 9:03
